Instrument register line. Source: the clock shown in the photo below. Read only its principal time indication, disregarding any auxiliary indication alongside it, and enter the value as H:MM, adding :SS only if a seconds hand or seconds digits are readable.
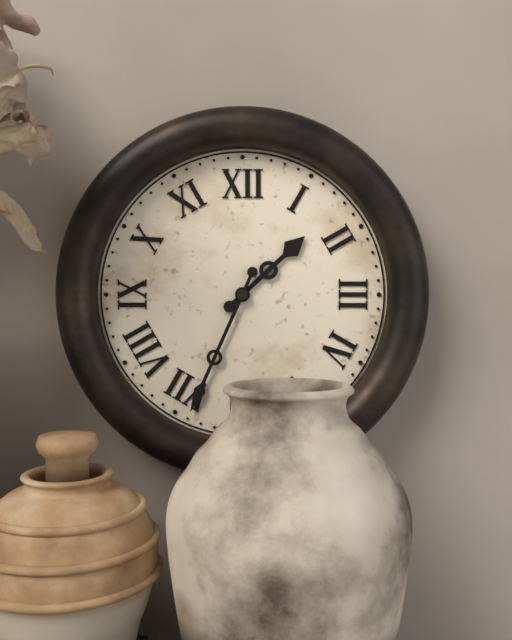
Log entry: 1:34
